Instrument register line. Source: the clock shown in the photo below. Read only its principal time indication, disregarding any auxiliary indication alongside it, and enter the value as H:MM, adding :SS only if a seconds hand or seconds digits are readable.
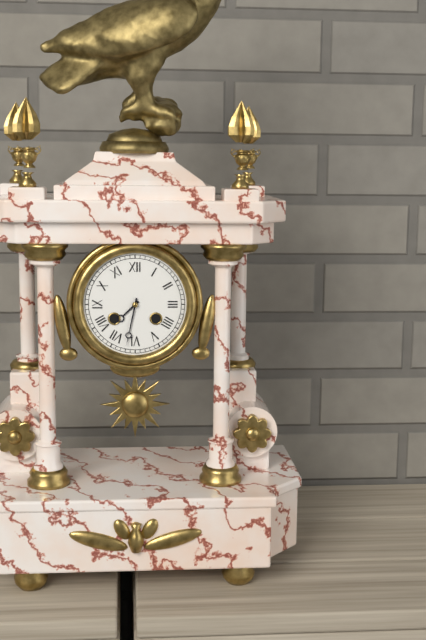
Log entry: 7:32
